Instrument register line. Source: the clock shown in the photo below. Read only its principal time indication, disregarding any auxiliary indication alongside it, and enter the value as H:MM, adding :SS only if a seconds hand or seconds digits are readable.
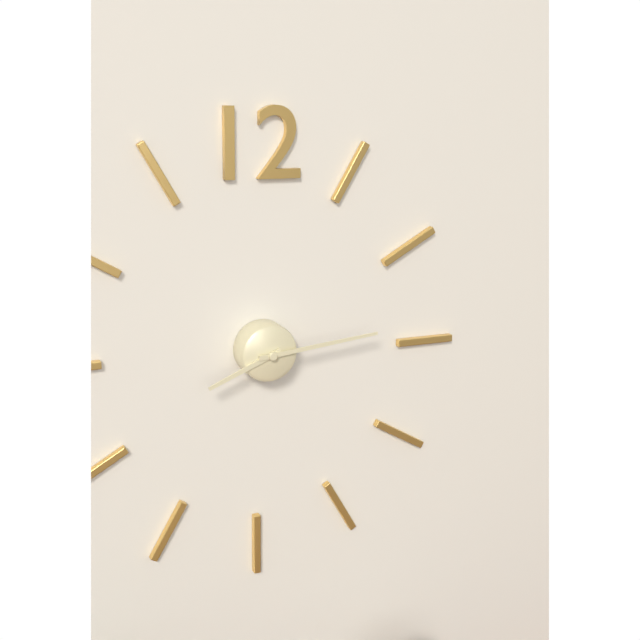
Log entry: 8:14
